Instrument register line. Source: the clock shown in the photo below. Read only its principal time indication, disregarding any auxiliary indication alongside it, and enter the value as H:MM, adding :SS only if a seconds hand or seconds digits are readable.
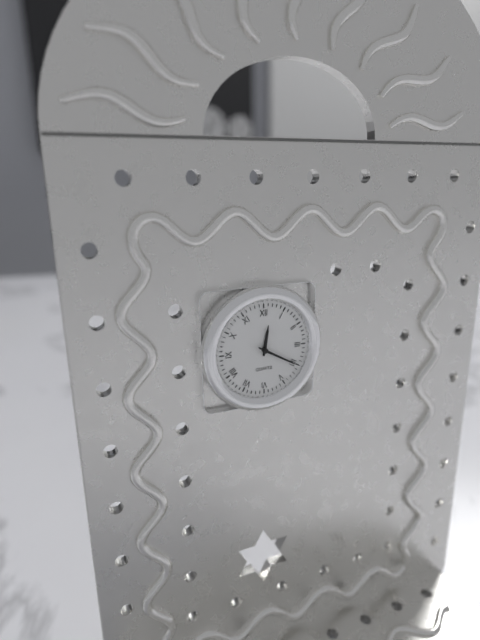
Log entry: 12:20
